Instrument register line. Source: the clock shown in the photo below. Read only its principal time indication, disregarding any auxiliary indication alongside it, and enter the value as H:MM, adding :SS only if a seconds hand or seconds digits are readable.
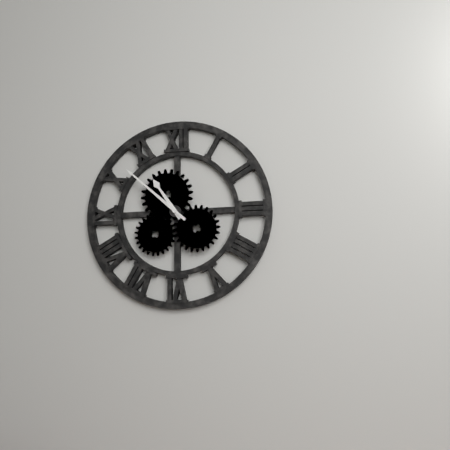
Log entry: 10:52
